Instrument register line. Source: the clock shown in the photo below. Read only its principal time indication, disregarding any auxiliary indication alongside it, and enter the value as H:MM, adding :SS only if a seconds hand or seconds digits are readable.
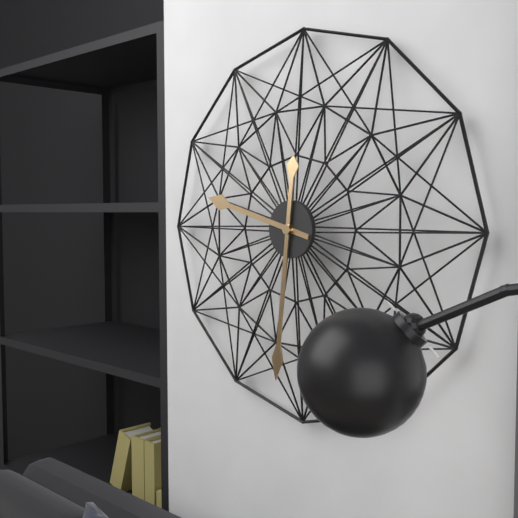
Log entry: 9:31
